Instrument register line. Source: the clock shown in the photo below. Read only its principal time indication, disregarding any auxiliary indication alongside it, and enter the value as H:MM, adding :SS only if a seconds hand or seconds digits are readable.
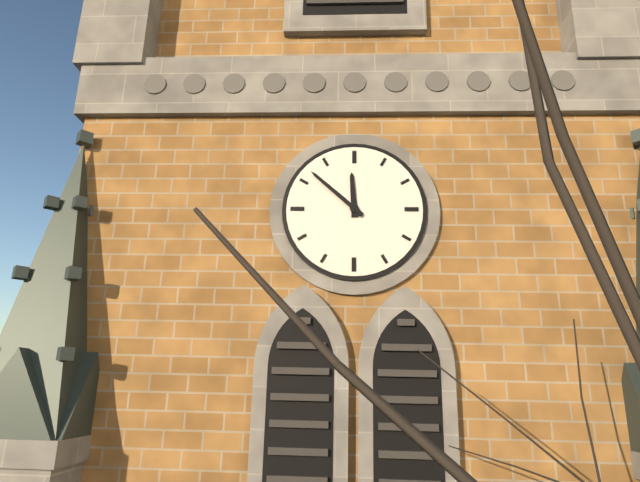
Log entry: 11:52
